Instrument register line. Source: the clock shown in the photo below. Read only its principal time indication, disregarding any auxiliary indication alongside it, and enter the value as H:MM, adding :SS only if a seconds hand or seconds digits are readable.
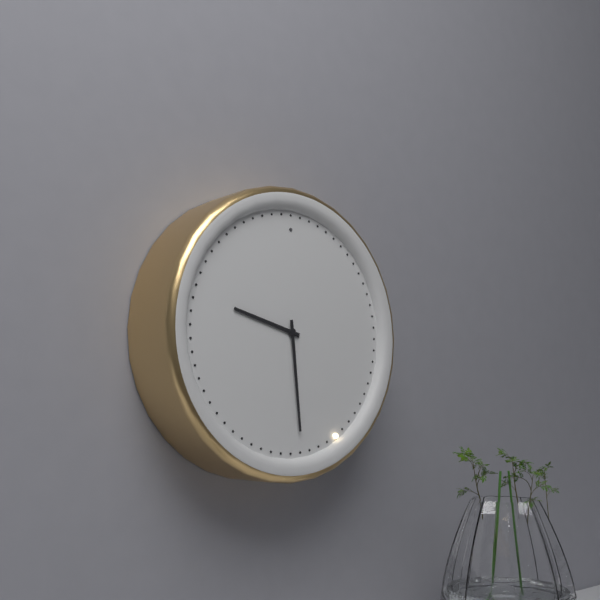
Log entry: 9:29
